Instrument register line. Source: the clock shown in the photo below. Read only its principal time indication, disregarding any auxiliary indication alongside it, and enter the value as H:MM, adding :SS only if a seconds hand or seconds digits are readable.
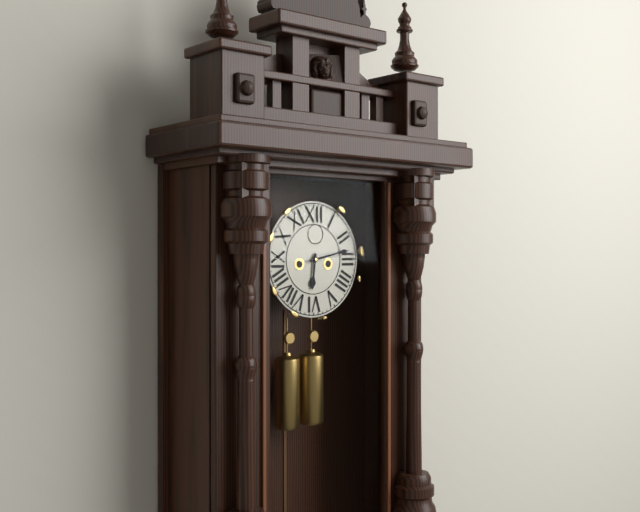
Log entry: 6:13
